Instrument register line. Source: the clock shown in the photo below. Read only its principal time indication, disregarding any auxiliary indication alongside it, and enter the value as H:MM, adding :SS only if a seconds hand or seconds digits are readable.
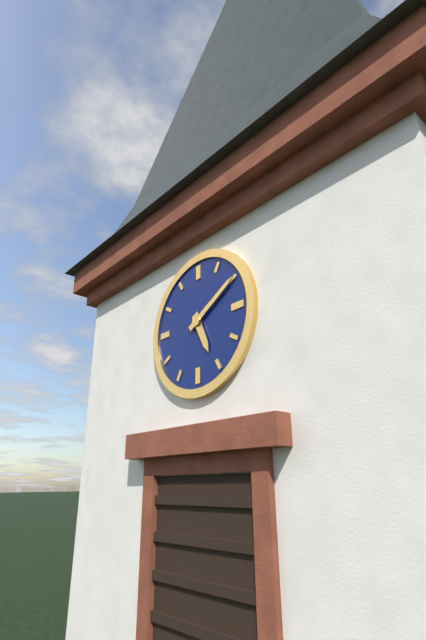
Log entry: 5:10
